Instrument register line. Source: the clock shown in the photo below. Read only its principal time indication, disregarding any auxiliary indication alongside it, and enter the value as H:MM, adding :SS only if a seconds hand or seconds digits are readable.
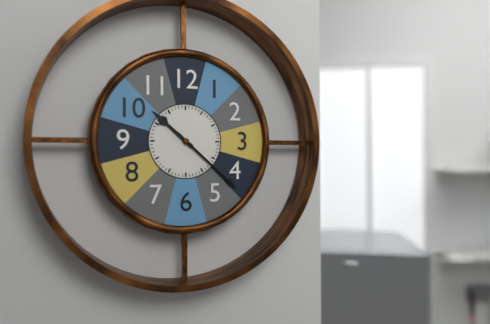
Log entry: 10:22
